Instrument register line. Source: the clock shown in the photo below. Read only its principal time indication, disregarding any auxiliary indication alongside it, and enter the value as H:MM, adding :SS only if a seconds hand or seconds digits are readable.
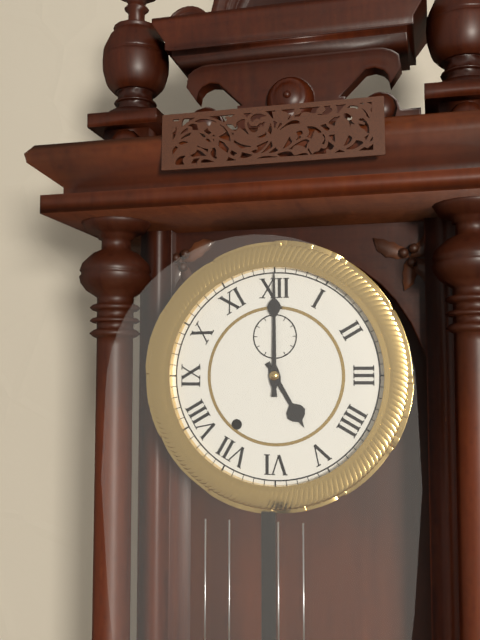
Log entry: 5:00
